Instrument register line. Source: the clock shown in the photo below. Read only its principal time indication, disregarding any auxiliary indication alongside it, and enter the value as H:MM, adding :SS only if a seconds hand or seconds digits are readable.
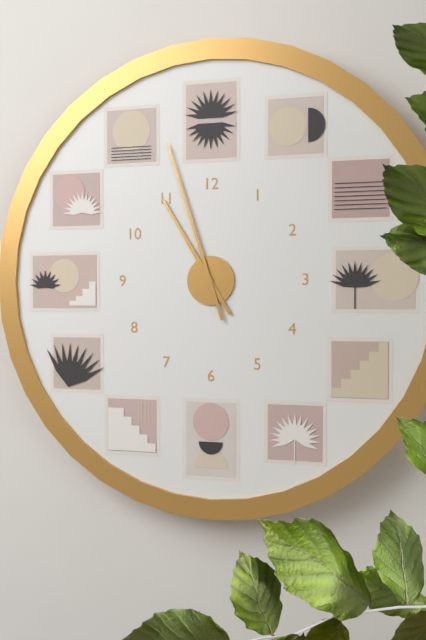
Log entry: 10:57
